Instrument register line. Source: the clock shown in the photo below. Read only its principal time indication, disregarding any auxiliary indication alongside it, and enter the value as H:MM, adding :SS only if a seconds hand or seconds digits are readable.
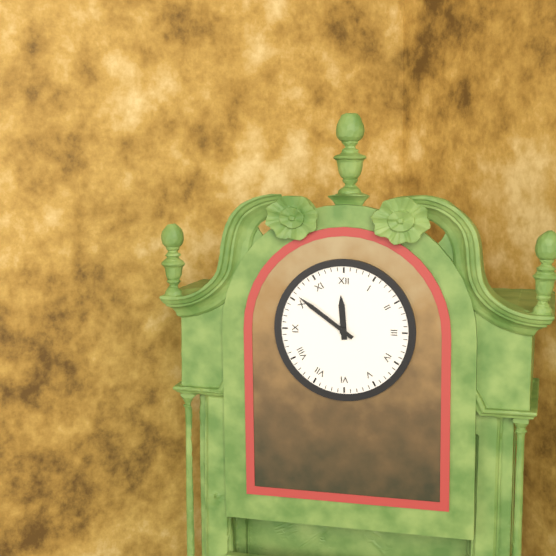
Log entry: 11:51
